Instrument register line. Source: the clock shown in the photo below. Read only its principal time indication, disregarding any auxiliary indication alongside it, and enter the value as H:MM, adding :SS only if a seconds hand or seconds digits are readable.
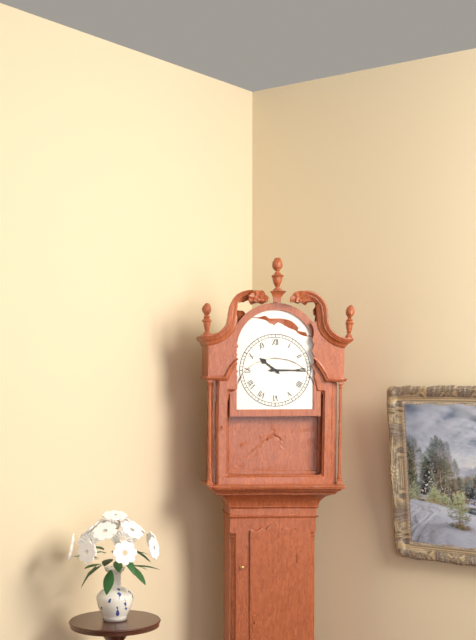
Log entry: 10:15
